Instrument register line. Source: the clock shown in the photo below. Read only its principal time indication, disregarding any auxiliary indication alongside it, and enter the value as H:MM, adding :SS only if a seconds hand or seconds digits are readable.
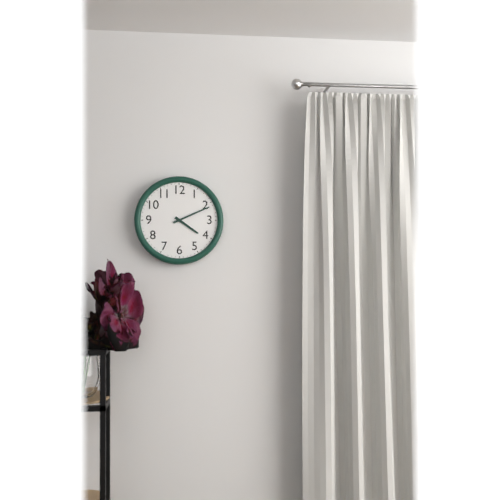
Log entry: 4:11
